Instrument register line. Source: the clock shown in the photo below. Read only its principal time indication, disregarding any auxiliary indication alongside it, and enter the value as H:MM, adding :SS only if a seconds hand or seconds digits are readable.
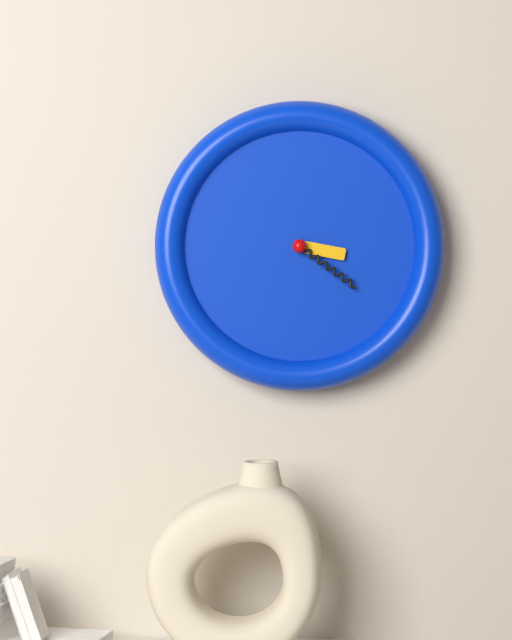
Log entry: 3:21
